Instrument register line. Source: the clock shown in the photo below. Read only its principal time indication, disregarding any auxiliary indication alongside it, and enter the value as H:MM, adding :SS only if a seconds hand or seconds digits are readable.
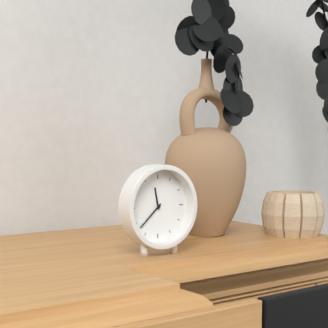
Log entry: 11:38
